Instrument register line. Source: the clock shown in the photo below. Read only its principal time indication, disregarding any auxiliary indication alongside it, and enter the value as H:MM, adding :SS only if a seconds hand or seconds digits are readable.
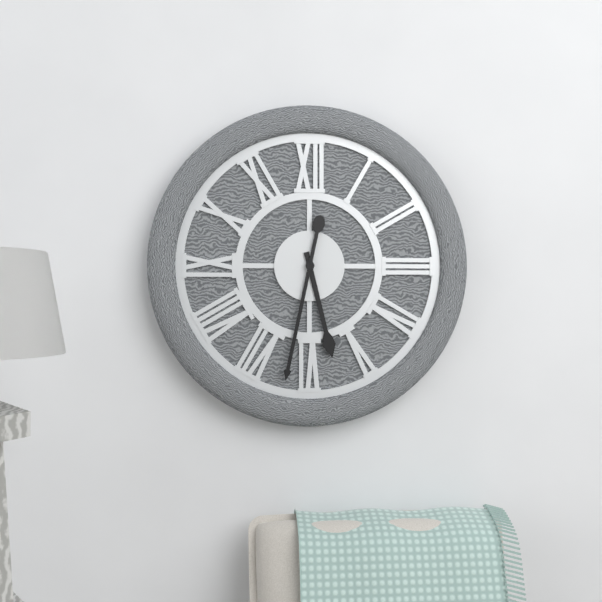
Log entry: 5:32
